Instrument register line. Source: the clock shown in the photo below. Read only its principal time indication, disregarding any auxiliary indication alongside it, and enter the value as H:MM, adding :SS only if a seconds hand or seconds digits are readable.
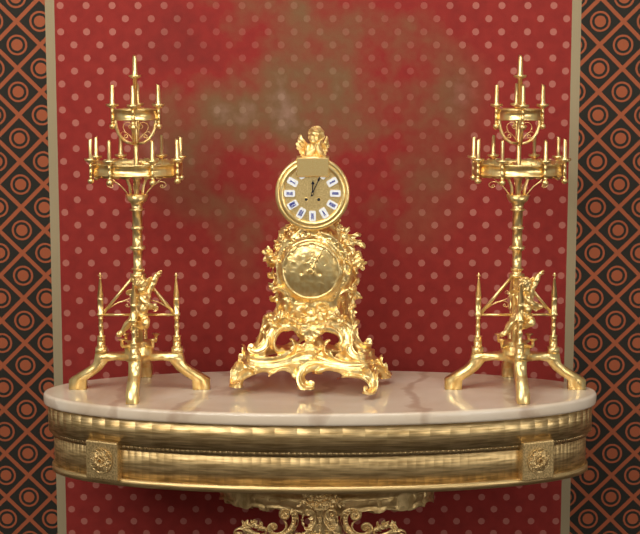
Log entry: 12:04
